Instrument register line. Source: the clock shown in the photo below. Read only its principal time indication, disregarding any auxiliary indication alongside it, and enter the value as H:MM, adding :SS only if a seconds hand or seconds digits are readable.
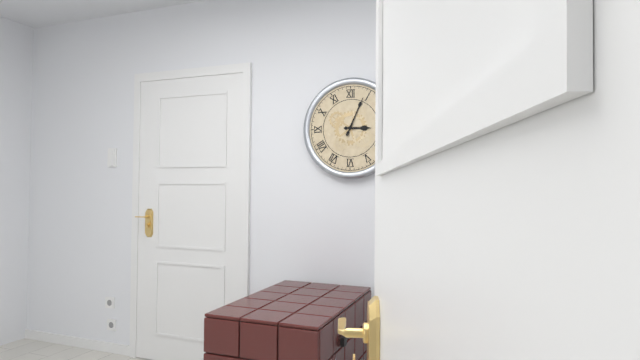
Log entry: 3:04
